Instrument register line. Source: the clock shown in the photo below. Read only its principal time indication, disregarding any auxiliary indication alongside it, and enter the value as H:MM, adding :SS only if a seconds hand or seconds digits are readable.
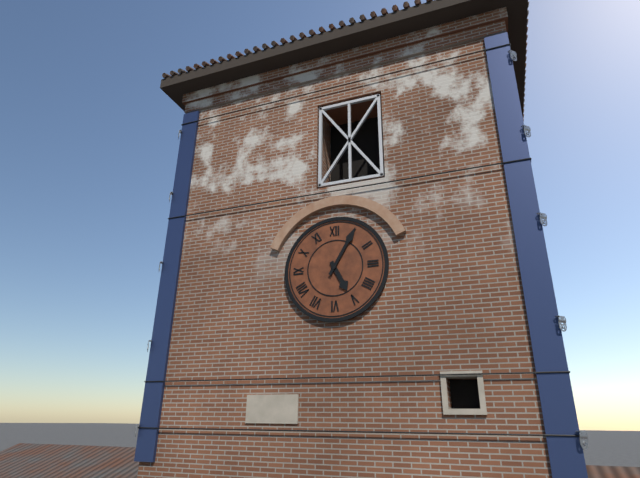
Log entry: 5:05
